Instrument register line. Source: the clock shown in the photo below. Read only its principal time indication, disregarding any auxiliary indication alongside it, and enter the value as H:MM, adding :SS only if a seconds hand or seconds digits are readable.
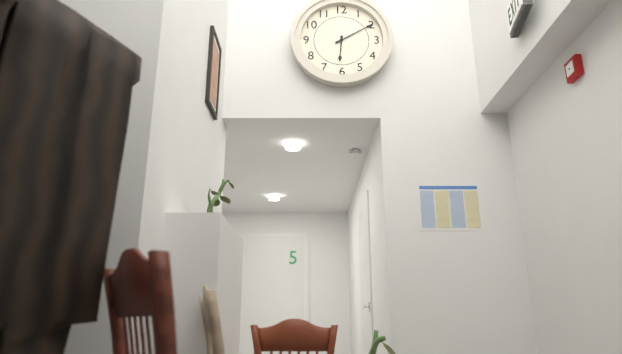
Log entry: 6:10
